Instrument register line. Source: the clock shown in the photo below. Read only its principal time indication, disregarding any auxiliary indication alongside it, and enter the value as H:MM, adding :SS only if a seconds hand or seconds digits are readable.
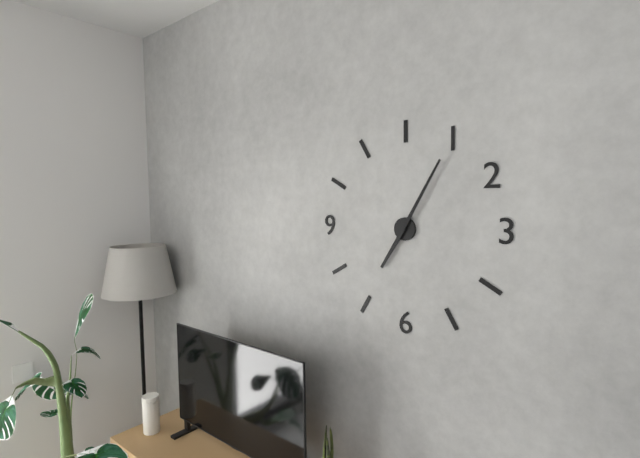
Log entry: 7:05
